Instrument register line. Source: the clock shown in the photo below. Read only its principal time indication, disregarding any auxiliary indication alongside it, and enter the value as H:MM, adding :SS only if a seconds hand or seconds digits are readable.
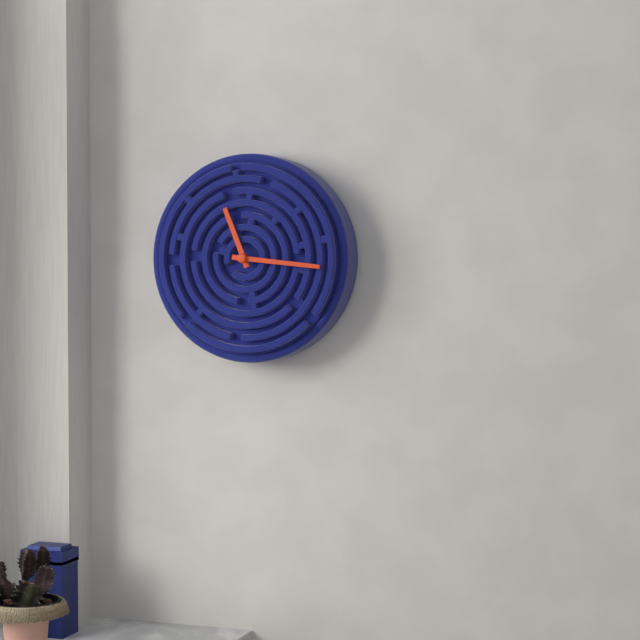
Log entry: 11:16
